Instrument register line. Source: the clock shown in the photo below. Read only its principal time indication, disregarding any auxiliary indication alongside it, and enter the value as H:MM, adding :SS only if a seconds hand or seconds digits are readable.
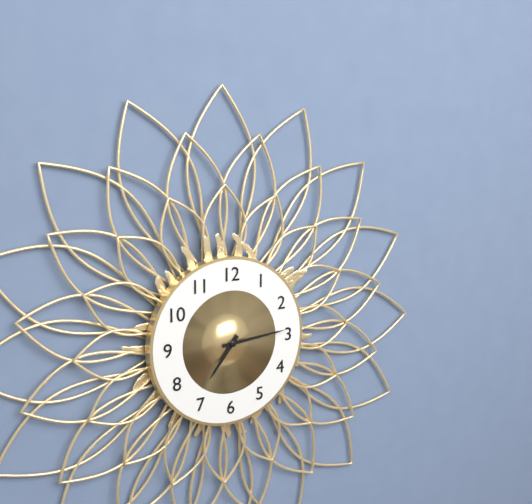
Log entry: 7:14
